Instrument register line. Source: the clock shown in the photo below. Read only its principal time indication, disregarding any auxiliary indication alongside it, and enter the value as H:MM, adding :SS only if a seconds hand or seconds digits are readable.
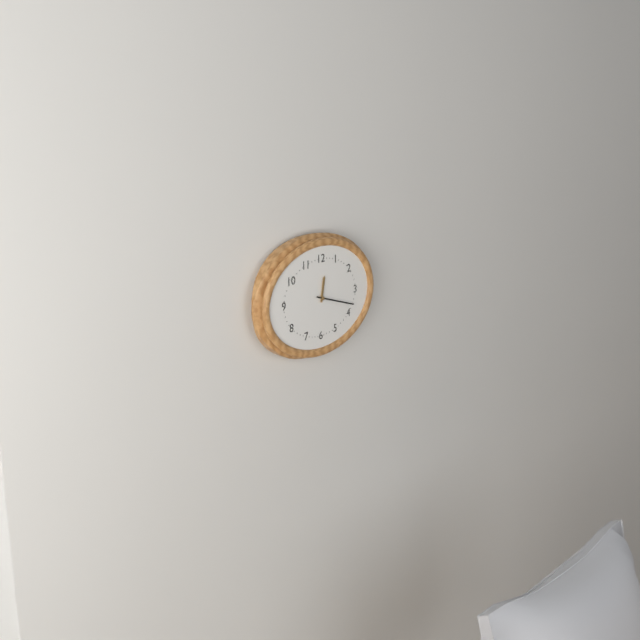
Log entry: 12:18
